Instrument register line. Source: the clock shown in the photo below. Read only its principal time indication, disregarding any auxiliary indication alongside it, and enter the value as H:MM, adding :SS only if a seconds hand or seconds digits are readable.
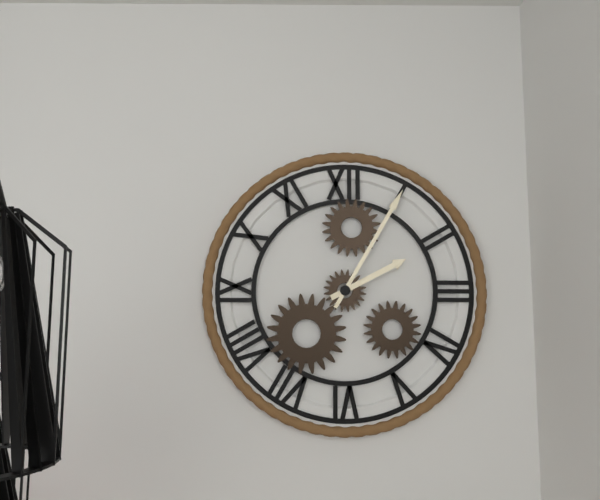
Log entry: 2:05
